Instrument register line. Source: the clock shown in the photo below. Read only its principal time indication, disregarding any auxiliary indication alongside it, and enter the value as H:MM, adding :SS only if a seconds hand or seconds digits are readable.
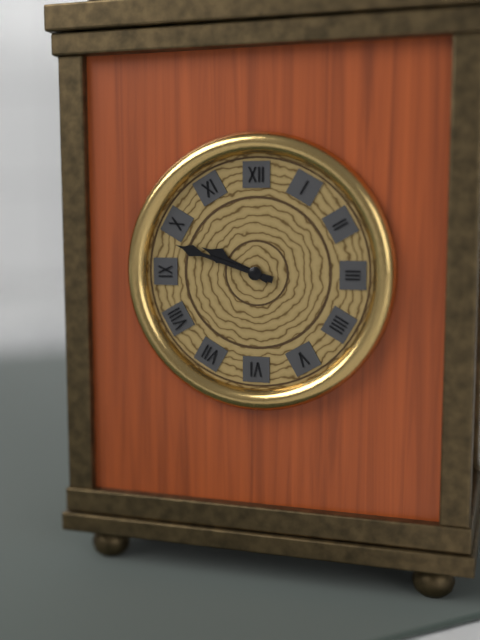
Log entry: 9:48
